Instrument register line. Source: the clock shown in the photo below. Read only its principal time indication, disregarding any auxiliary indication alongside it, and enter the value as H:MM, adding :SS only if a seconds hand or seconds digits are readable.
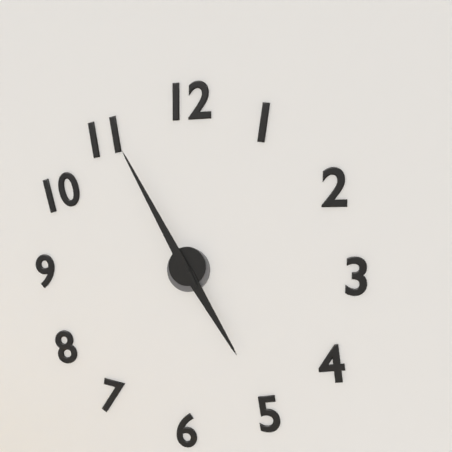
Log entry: 4:55
